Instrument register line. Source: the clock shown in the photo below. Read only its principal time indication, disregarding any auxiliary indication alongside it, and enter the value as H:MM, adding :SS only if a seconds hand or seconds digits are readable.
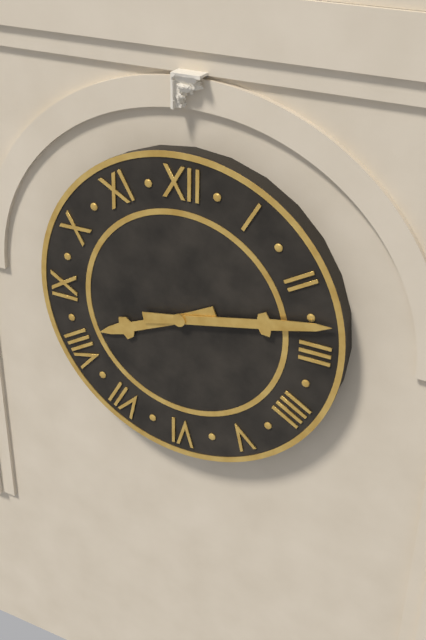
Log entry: 8:13
